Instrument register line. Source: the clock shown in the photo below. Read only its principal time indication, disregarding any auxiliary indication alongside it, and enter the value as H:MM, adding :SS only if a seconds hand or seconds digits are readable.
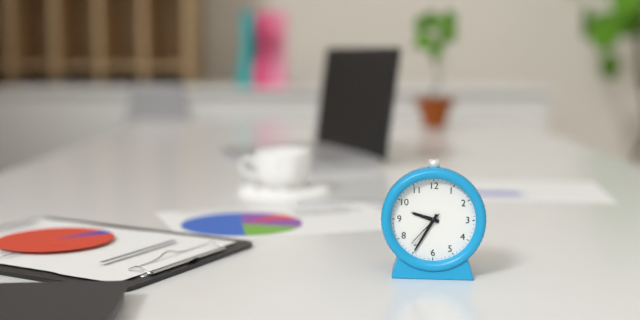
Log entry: 9:35
